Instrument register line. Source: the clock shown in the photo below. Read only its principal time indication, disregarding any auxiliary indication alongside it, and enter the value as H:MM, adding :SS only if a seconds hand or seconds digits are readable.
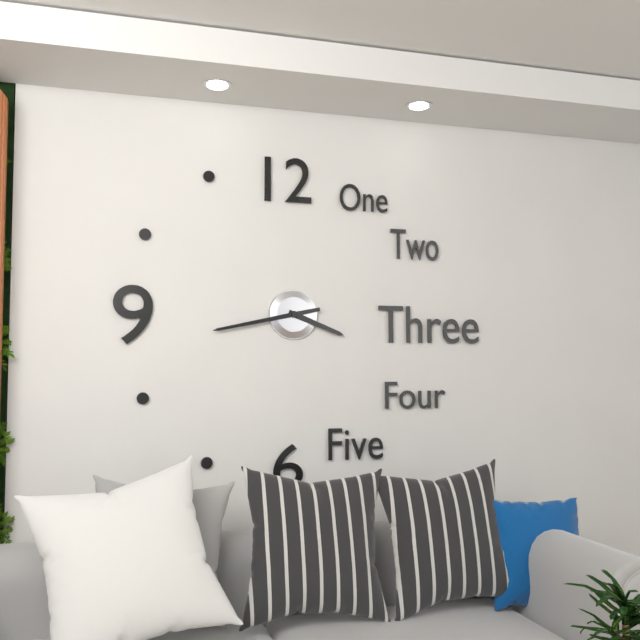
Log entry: 3:43
